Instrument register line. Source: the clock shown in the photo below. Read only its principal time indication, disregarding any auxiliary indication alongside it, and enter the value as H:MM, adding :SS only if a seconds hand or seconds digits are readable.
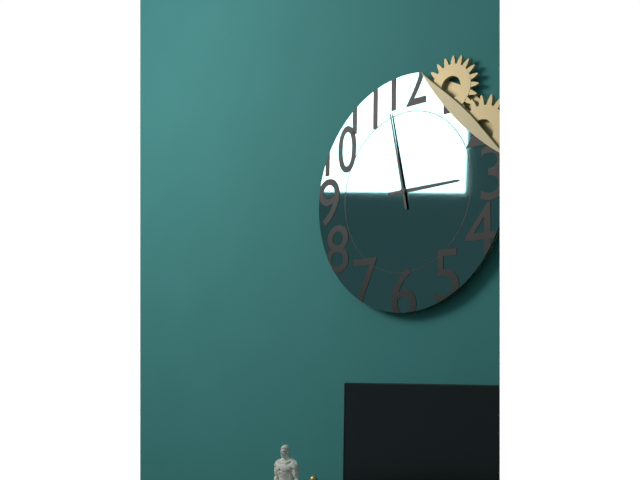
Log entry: 2:58
